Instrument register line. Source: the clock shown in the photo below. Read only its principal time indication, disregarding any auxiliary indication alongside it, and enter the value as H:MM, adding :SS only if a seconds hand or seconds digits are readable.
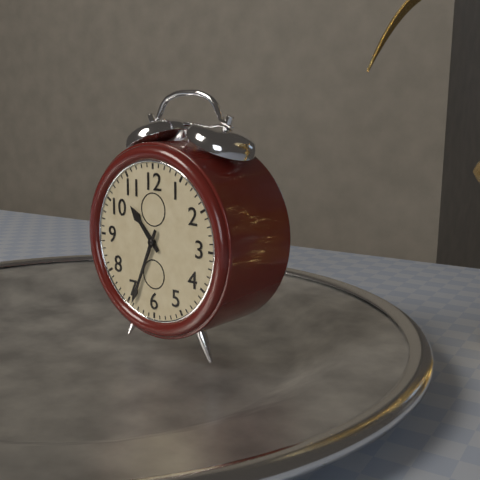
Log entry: 10:34
